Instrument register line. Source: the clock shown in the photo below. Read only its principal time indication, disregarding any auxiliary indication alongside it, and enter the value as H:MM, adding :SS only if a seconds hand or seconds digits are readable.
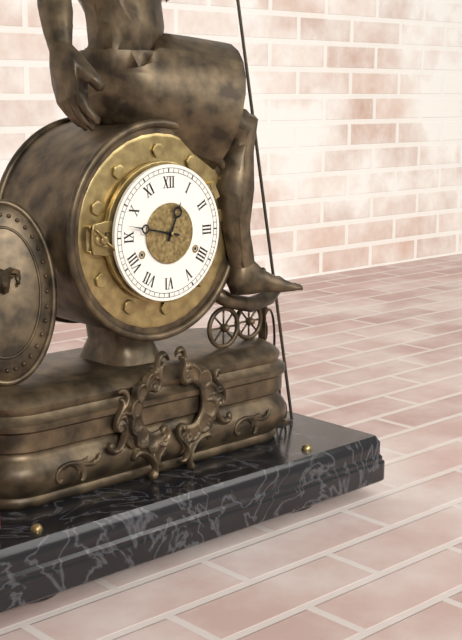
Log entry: 12:47
